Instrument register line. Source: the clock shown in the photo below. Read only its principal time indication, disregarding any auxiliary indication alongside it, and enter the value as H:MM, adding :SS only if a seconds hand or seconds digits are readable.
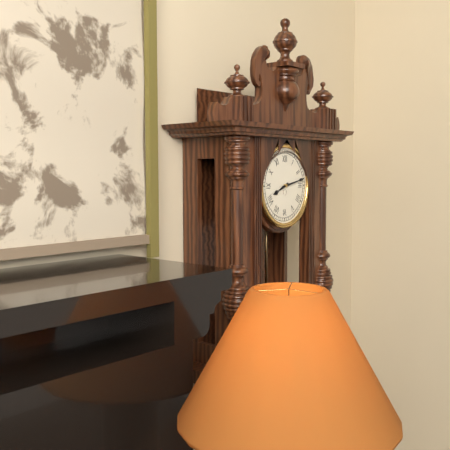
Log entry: 8:13
